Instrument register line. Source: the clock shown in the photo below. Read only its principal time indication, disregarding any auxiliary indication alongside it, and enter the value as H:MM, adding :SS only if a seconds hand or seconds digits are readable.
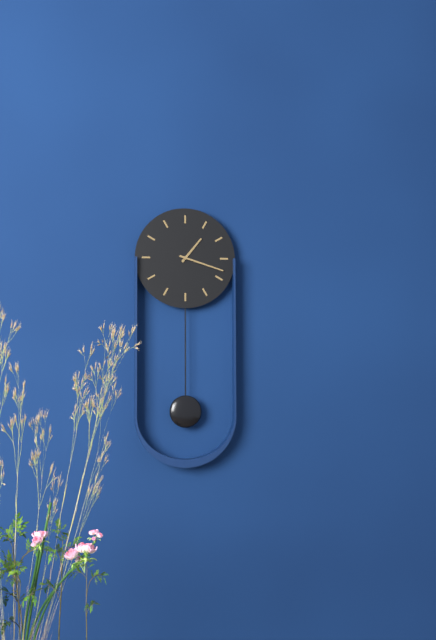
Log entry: 1:18
